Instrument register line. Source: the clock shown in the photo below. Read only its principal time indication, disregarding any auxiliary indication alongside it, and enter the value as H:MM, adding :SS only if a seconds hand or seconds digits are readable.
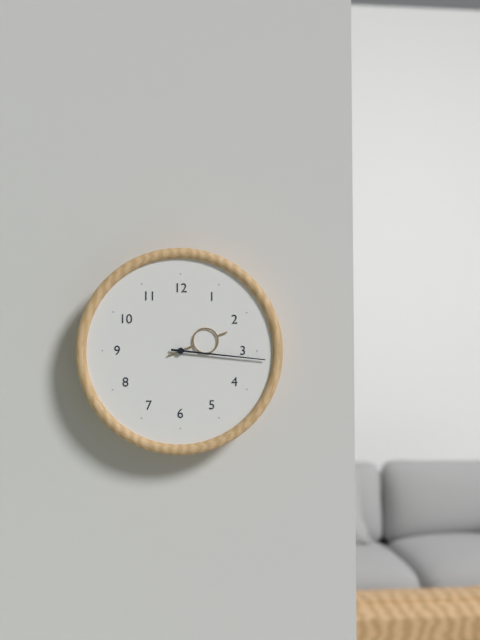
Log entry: 2:16
